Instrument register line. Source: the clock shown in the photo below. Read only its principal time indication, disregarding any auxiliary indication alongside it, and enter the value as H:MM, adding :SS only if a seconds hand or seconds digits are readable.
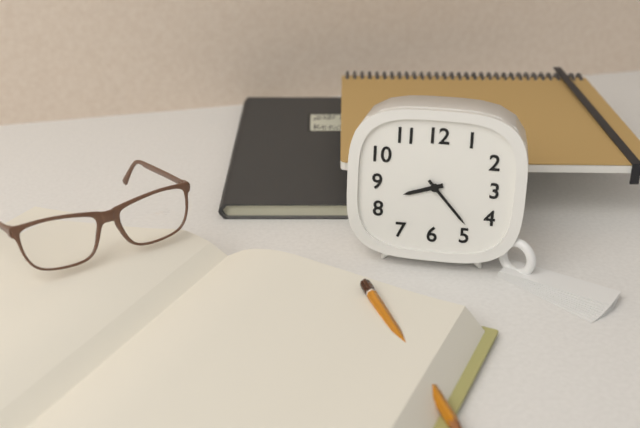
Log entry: 8:23
